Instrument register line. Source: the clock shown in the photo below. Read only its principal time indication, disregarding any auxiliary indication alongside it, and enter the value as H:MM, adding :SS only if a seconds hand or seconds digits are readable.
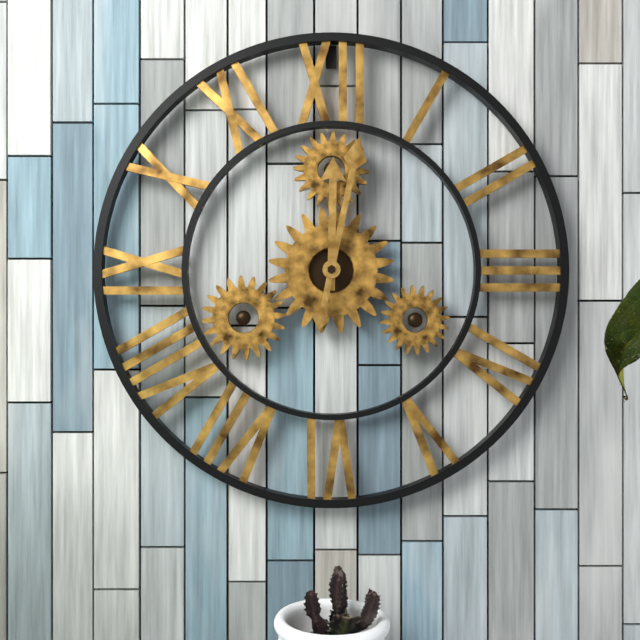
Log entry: 12:02
